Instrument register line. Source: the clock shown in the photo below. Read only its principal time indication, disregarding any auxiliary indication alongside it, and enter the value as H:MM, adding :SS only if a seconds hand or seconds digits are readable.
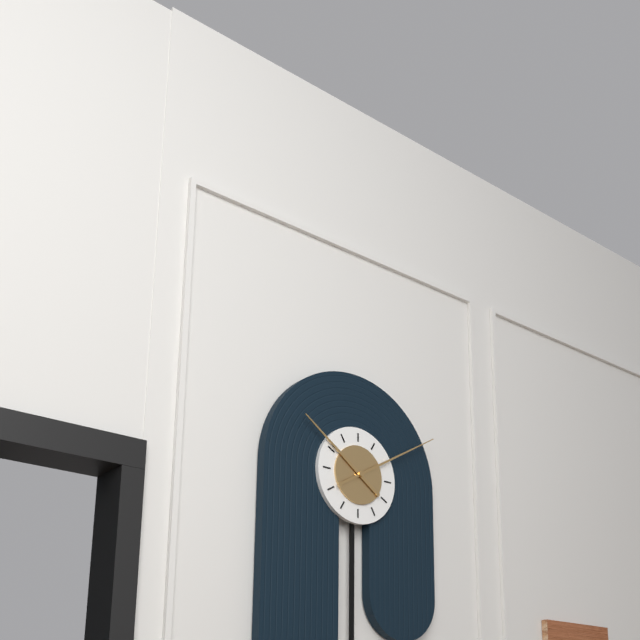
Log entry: 10:10
